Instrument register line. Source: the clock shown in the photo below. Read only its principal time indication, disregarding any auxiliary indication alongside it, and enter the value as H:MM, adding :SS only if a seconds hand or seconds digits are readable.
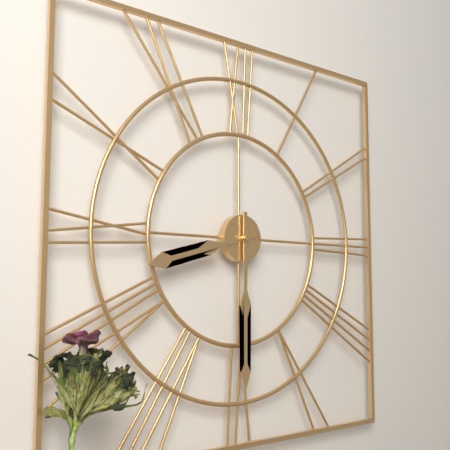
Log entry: 8:30
